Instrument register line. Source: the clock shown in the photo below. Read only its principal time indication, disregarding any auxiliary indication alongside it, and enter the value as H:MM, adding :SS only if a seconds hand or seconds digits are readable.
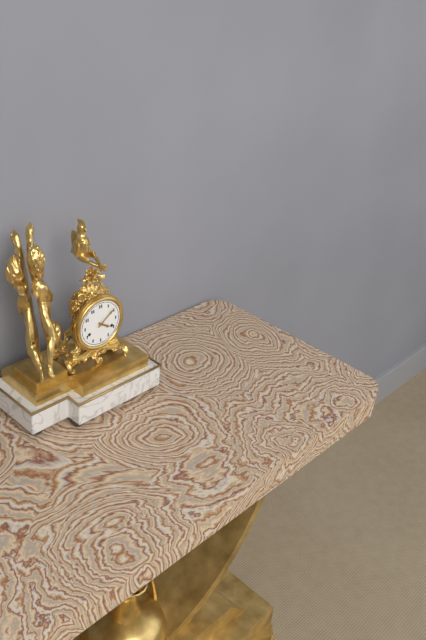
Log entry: 4:09
